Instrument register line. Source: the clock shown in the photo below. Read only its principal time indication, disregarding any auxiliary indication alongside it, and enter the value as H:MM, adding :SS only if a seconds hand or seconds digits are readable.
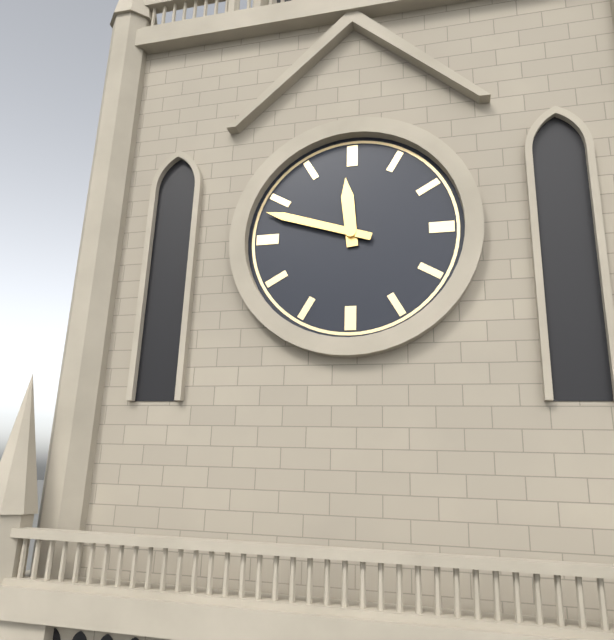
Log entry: 11:48
